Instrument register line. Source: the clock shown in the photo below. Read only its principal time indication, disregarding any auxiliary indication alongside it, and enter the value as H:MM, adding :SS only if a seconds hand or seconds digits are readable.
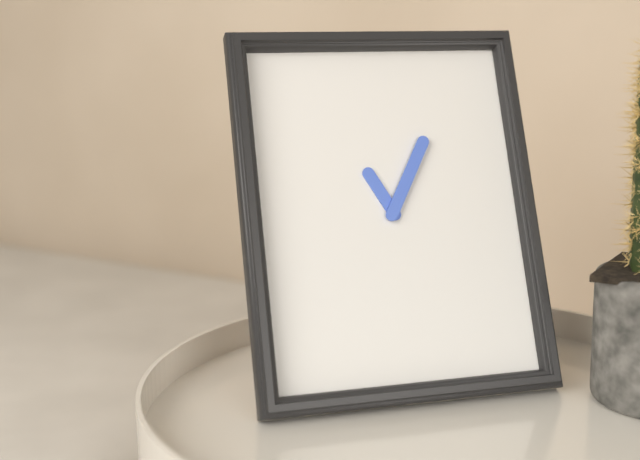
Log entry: 11:05
